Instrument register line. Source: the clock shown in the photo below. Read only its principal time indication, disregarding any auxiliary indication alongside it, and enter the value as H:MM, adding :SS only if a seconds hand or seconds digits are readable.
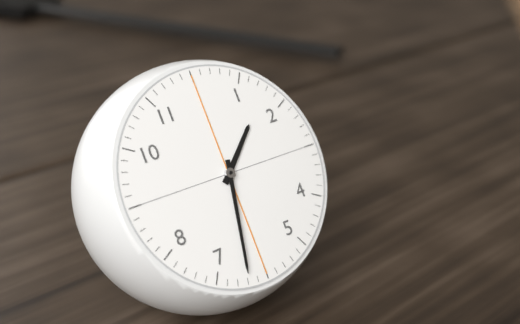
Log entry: 1:32
